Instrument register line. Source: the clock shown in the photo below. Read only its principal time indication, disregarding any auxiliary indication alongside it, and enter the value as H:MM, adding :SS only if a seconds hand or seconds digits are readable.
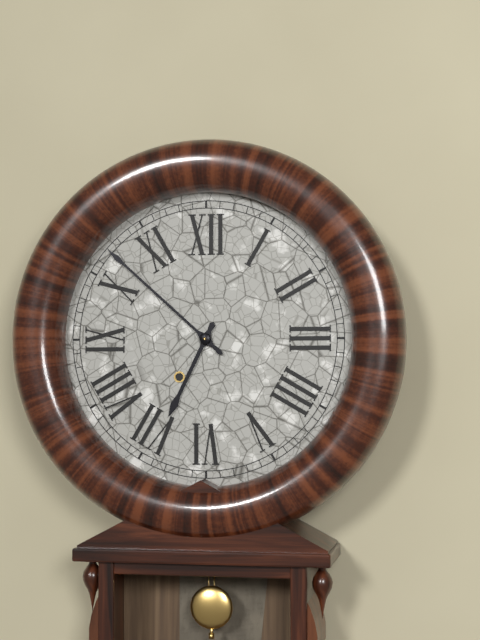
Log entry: 6:52
